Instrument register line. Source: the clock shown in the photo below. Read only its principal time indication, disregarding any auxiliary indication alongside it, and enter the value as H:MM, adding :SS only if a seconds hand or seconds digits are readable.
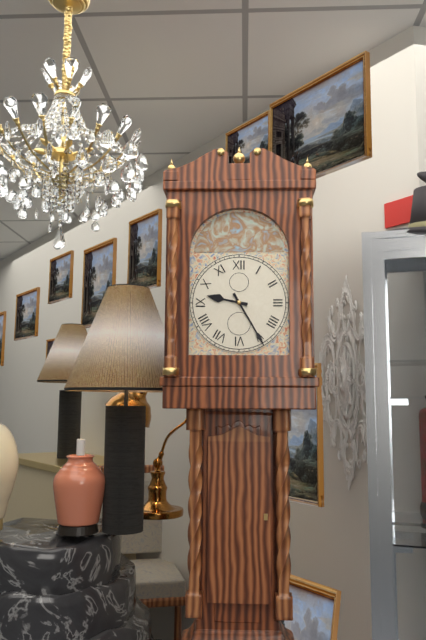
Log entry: 9:25
